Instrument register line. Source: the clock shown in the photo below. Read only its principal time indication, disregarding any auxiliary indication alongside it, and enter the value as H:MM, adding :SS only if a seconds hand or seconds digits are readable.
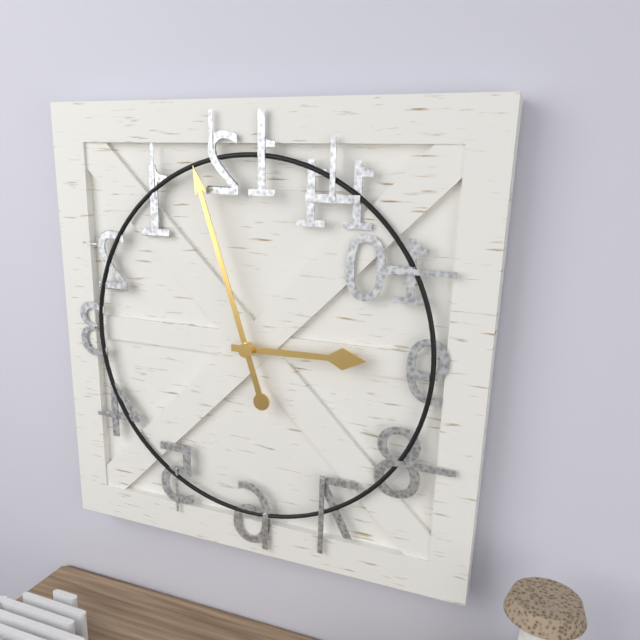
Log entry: 2:57
